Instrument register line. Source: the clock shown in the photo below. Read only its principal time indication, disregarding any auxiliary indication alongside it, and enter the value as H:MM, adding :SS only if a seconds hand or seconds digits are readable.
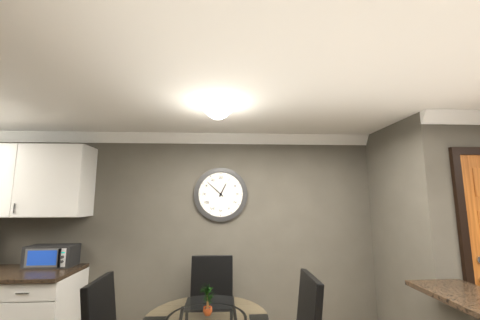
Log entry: 12:52
